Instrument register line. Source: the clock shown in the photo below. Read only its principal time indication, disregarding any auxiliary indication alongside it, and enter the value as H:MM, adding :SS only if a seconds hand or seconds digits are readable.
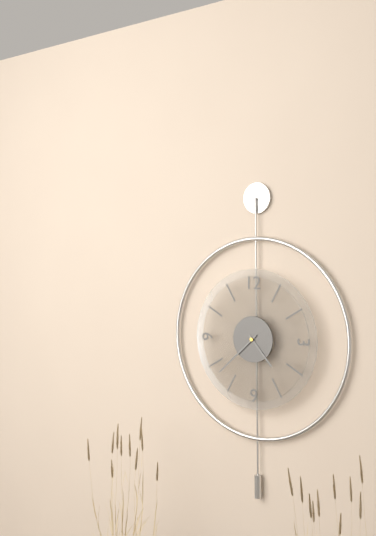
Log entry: 4:38
